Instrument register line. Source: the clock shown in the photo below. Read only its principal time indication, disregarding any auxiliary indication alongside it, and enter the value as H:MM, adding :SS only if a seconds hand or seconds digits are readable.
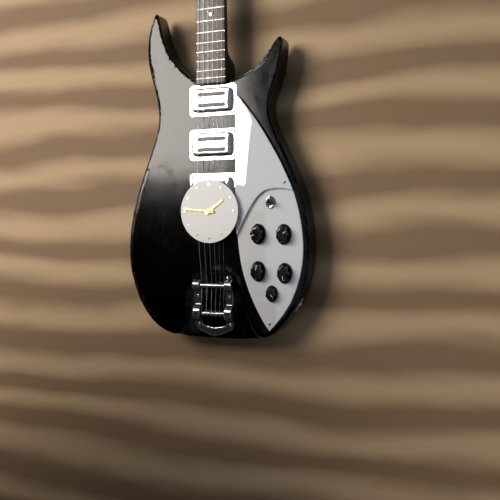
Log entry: 1:46
